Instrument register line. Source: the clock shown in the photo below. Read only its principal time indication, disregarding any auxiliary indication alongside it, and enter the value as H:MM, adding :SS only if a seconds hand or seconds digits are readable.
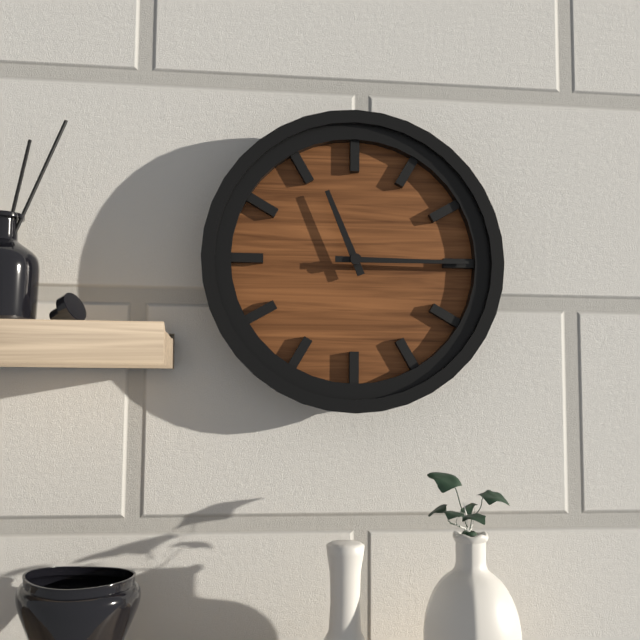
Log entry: 11:15
